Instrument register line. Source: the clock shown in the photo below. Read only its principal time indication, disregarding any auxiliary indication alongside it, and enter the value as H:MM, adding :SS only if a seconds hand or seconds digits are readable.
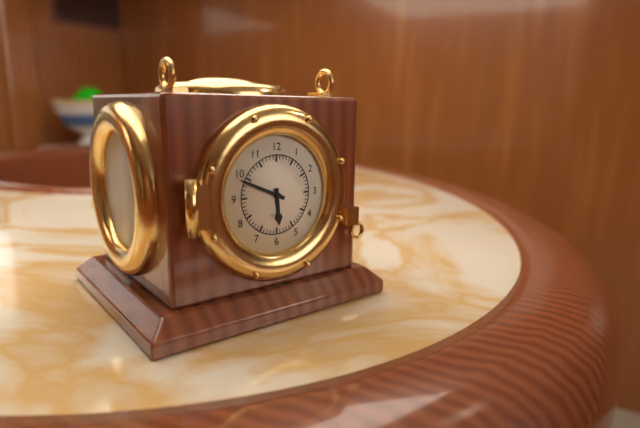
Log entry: 5:49
